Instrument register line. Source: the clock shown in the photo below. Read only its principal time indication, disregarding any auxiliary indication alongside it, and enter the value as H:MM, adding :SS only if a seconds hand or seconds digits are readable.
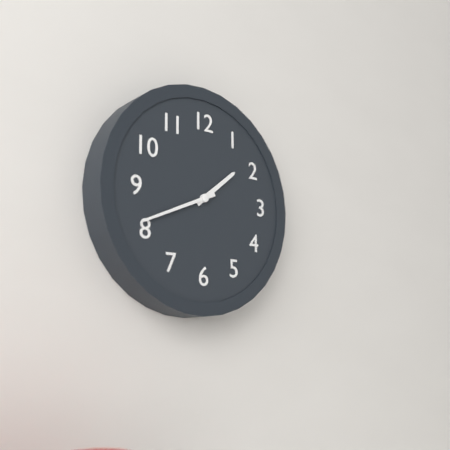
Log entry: 1:41
